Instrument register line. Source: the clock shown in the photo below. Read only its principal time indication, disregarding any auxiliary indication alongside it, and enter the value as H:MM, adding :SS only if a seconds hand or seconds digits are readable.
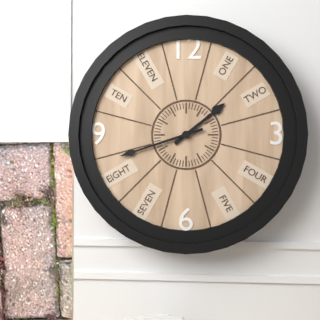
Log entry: 1:42
